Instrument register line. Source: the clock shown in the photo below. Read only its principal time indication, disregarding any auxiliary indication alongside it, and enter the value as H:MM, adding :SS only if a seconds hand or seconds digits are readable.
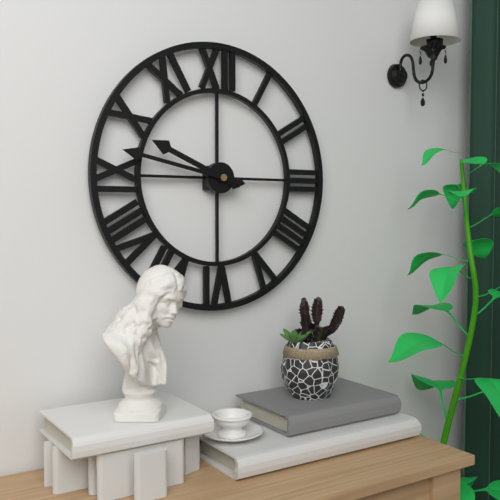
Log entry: 9:47
